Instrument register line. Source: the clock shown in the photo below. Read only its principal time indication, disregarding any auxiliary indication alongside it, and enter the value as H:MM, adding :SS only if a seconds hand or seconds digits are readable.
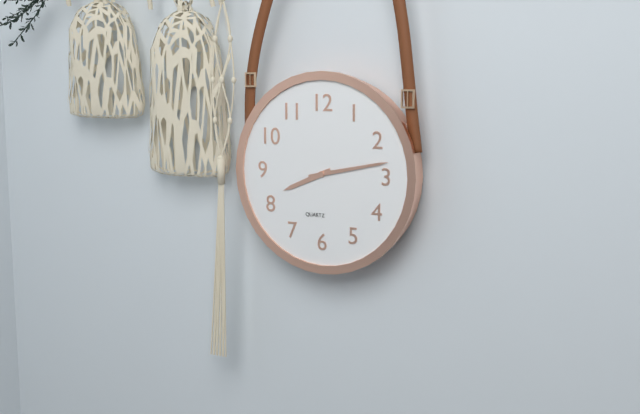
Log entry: 8:13
